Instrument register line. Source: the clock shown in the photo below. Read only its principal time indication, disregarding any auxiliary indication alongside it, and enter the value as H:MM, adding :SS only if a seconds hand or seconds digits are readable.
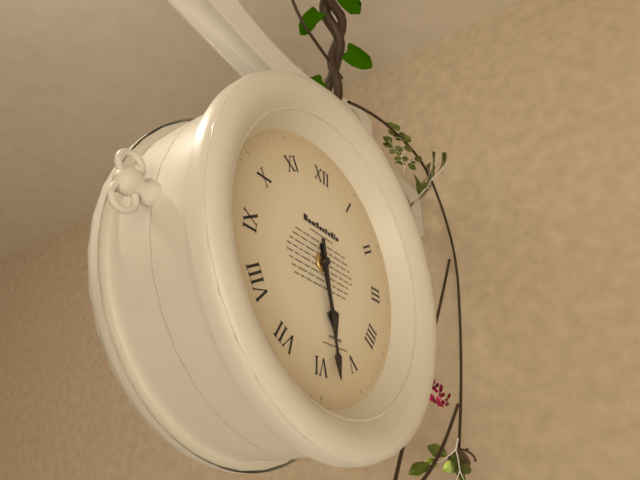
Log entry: 5:28
